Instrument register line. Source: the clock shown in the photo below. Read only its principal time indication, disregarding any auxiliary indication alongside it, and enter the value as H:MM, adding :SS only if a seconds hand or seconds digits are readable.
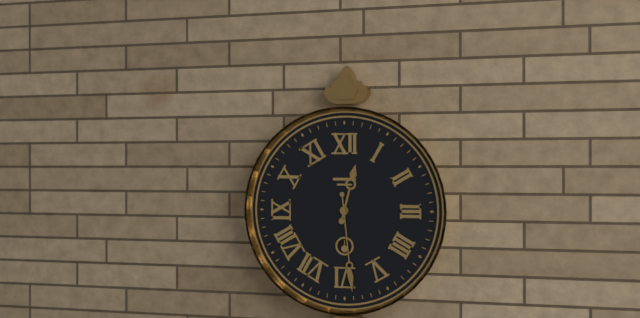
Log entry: 12:29
